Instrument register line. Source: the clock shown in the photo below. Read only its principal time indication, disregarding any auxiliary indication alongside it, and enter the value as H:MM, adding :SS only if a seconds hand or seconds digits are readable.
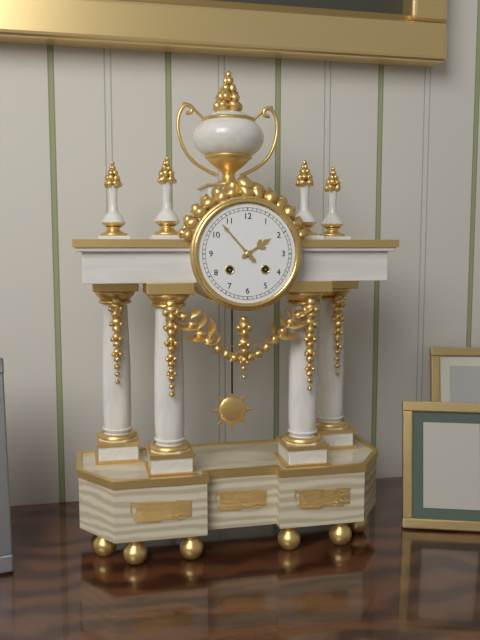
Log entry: 1:53
